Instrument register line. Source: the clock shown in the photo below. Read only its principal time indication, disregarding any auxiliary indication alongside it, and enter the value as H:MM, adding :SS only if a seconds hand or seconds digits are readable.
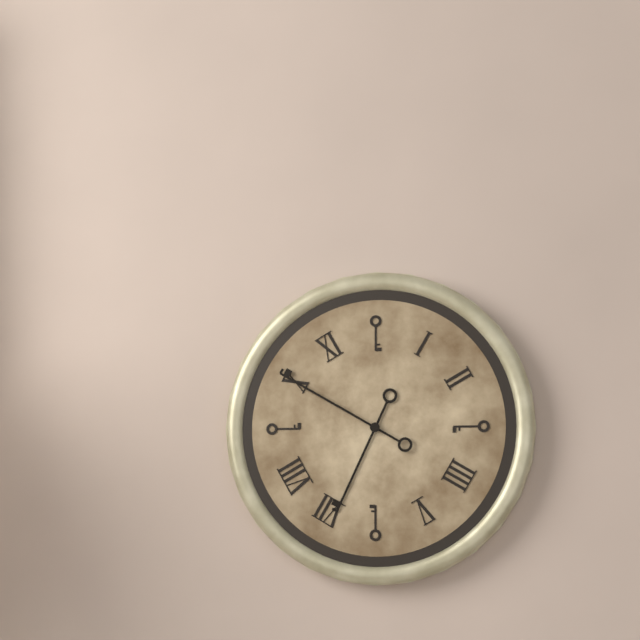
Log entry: 6:50
